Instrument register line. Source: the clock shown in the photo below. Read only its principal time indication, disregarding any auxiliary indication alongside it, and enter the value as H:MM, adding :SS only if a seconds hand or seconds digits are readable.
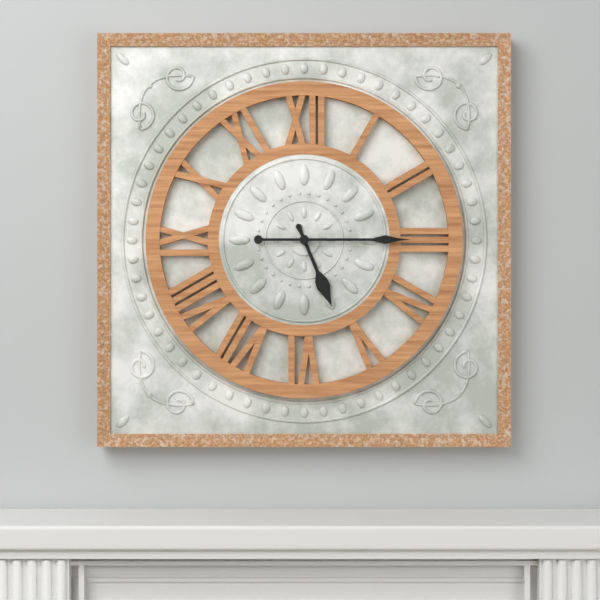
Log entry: 5:15
